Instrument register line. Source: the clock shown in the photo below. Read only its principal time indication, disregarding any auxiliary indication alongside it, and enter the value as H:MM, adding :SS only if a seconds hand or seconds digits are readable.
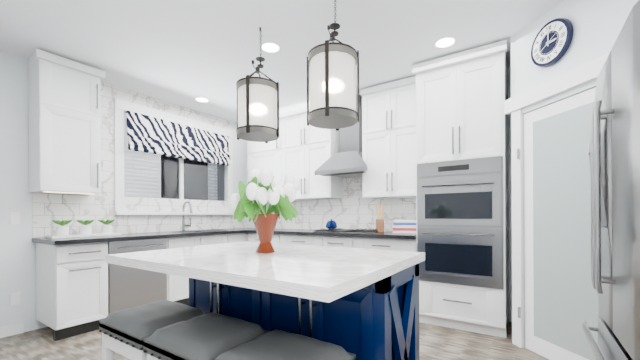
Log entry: 3:00
